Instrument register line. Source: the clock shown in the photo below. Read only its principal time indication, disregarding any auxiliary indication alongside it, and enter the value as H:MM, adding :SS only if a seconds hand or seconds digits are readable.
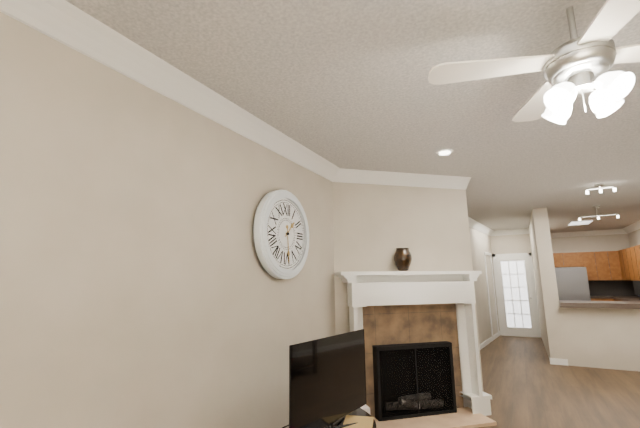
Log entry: 1:29
